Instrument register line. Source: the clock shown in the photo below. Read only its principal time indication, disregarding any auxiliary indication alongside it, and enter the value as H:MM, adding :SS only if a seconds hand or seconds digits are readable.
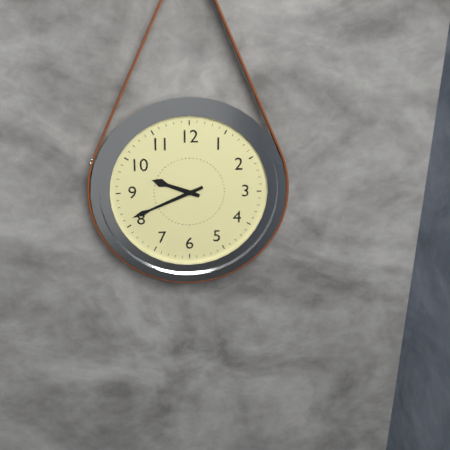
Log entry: 9:41
